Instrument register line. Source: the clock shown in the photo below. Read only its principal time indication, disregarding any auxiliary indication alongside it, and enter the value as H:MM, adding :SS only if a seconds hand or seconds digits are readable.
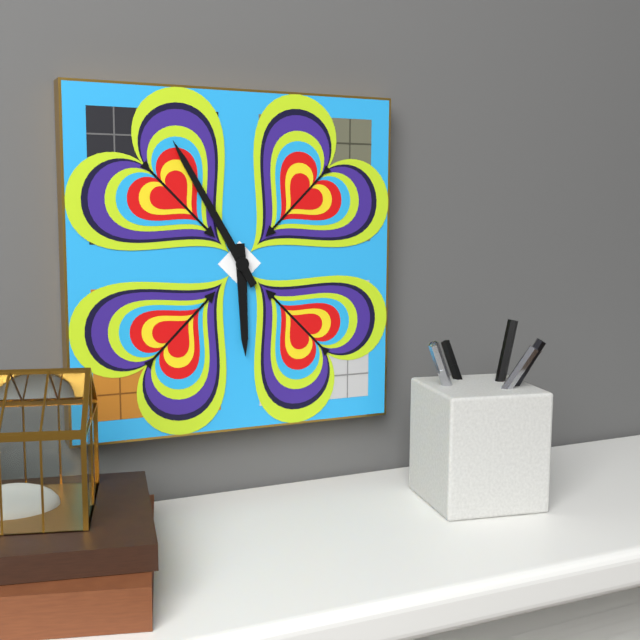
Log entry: 5:55
